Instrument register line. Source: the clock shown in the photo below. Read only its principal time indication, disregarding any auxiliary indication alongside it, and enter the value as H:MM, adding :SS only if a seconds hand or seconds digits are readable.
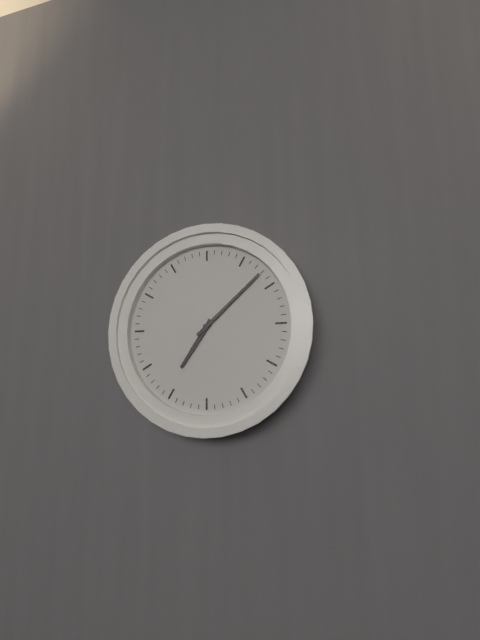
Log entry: 7:08
